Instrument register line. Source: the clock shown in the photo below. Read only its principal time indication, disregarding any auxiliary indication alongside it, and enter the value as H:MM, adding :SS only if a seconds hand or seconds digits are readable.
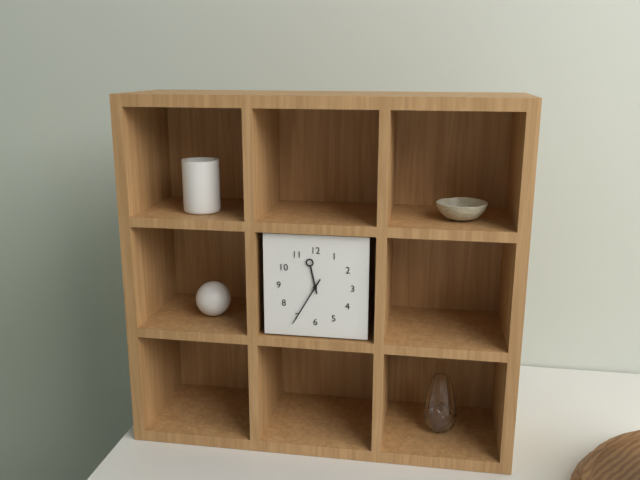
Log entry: 11:35
